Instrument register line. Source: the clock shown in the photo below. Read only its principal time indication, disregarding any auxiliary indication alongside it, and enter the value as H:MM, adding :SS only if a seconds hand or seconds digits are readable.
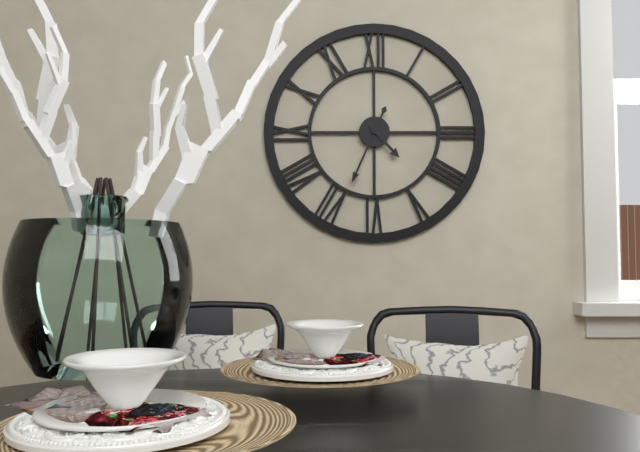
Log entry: 4:34
